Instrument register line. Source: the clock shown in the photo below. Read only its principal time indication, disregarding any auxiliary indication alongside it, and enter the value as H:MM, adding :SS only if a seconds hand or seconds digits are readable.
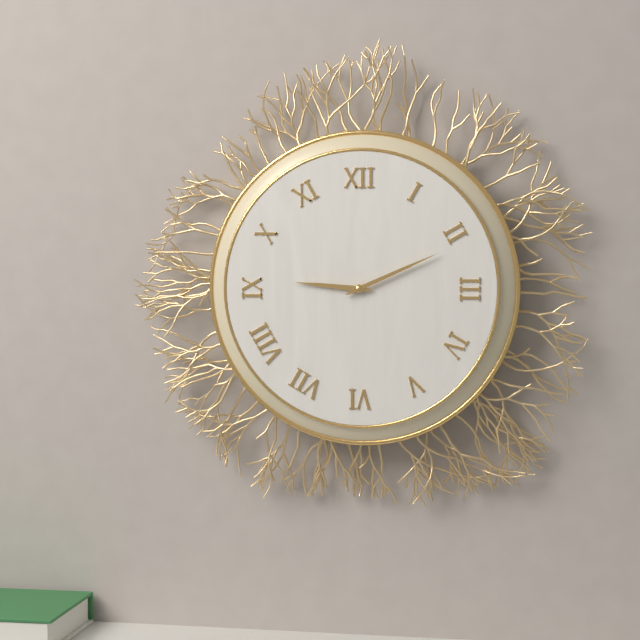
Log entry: 9:11
